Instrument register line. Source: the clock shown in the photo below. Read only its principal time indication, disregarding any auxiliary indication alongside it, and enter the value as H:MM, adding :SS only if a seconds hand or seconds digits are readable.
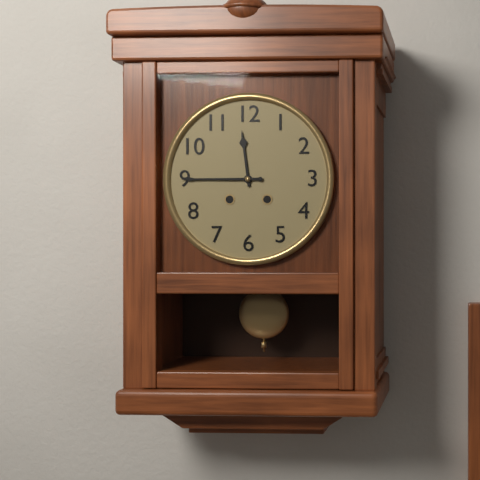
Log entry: 11:45
